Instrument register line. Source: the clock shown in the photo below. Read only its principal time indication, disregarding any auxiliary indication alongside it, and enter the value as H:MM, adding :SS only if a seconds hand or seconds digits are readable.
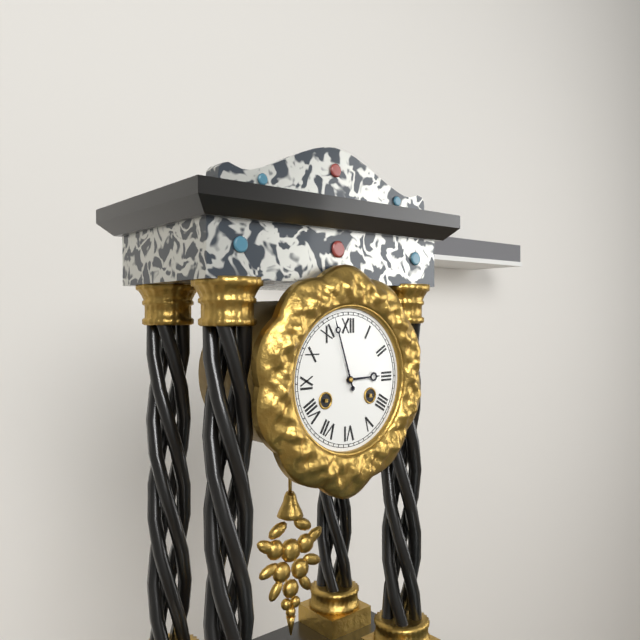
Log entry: 2:57
